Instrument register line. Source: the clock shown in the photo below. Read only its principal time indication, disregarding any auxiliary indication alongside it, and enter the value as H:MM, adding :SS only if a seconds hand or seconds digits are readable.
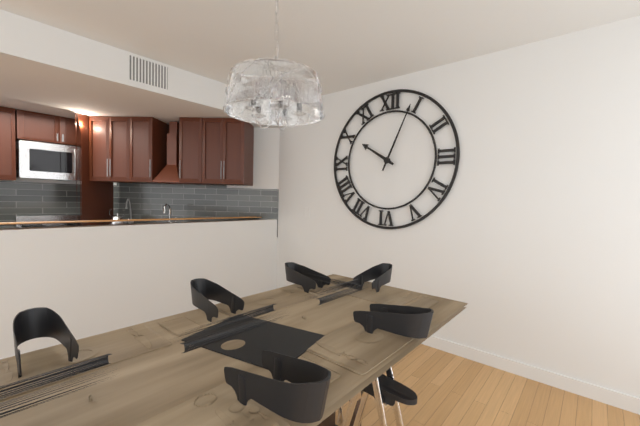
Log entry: 10:04
